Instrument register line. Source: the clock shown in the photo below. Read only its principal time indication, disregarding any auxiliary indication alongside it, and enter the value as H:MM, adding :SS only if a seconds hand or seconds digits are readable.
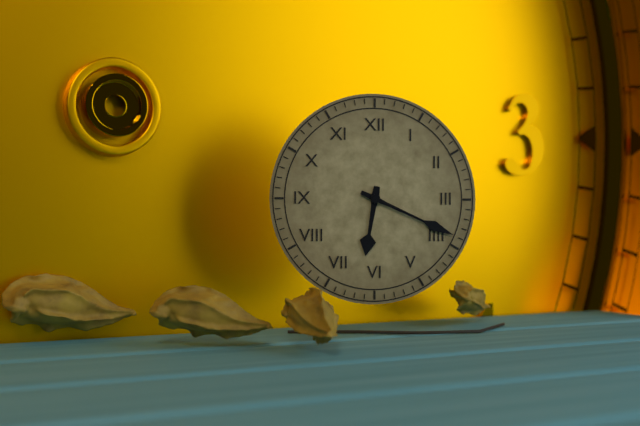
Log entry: 6:19
